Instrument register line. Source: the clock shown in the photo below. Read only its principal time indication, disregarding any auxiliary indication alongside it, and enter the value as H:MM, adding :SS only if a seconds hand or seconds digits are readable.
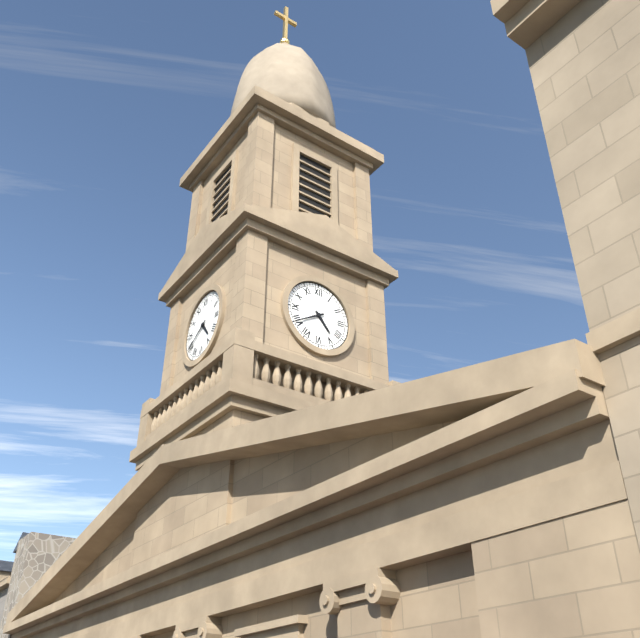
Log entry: 4:40
